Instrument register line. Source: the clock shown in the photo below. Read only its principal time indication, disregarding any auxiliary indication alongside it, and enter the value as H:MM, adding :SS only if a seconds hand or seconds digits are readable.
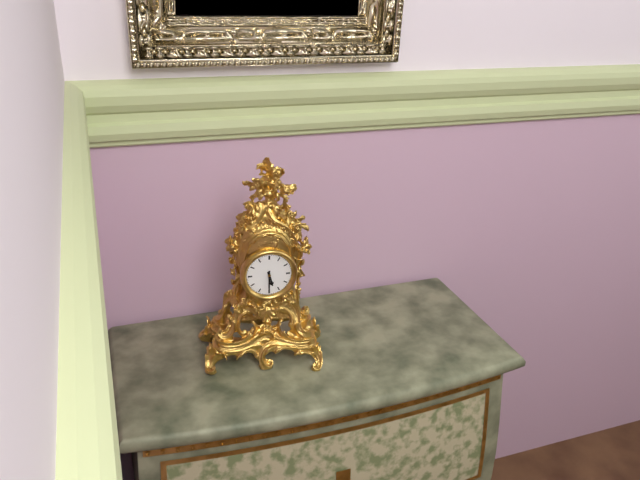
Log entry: 5:30
